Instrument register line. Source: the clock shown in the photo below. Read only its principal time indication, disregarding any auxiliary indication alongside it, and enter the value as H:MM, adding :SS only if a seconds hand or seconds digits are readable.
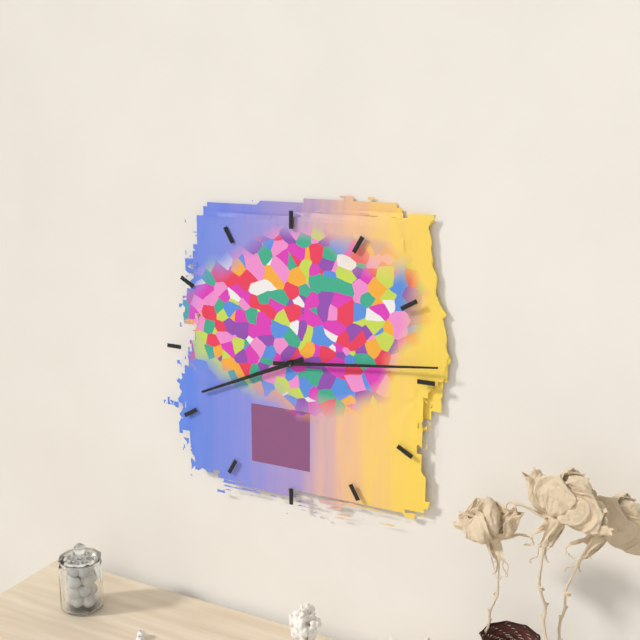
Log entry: 8:14
